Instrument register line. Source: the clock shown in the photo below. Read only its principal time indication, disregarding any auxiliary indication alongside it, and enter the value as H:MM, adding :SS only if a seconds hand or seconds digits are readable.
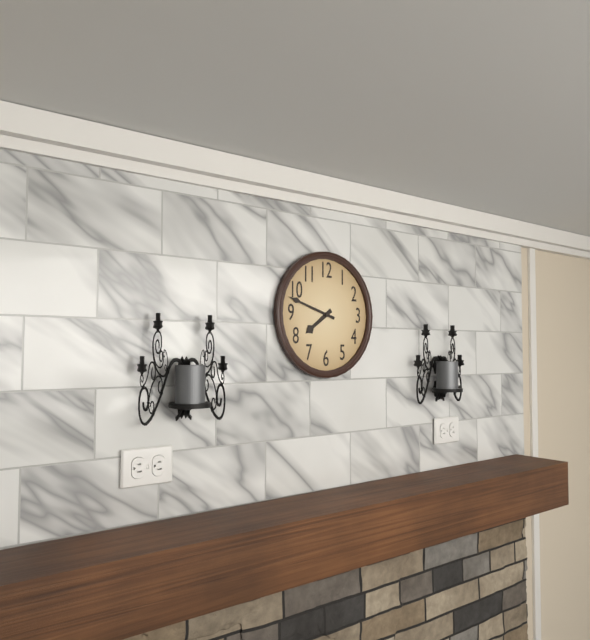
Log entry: 7:48
